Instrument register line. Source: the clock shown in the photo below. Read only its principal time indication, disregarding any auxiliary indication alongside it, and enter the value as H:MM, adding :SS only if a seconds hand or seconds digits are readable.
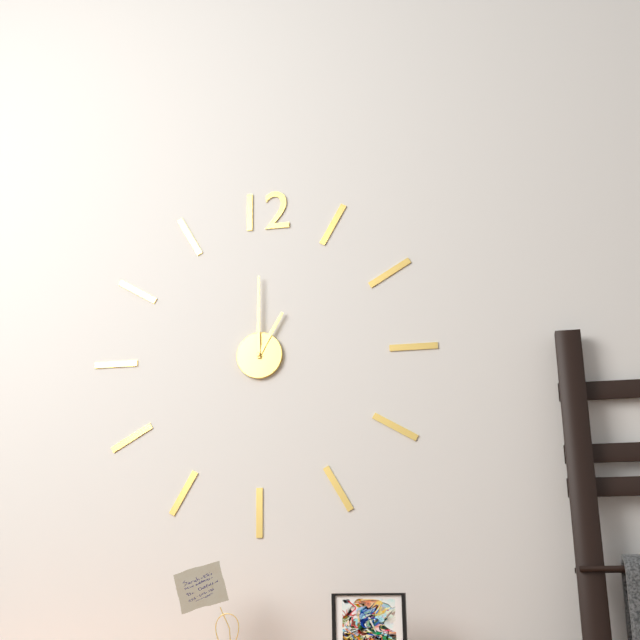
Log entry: 1:00
